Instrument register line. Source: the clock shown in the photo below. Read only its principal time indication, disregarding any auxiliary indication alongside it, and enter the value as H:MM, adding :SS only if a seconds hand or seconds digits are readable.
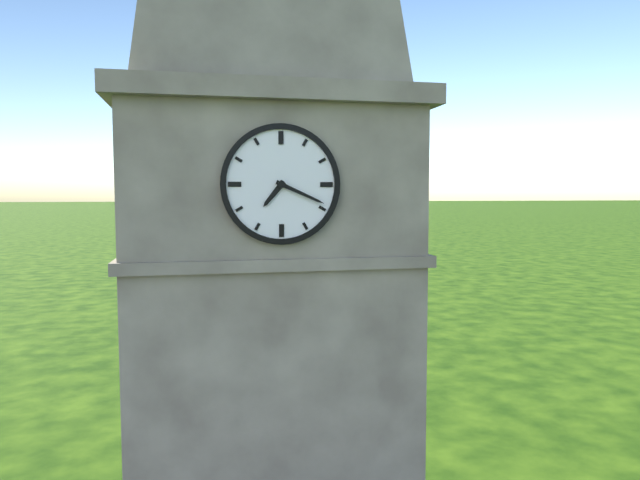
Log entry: 7:19
